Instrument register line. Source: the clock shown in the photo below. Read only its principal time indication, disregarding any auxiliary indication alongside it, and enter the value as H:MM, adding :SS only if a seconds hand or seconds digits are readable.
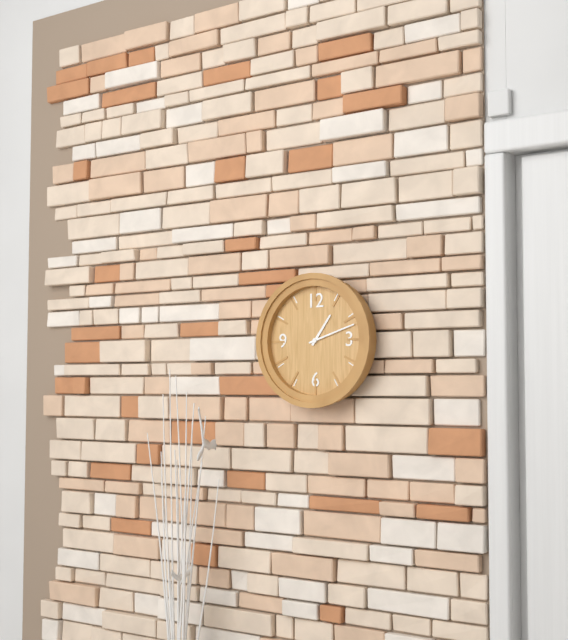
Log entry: 1:12
